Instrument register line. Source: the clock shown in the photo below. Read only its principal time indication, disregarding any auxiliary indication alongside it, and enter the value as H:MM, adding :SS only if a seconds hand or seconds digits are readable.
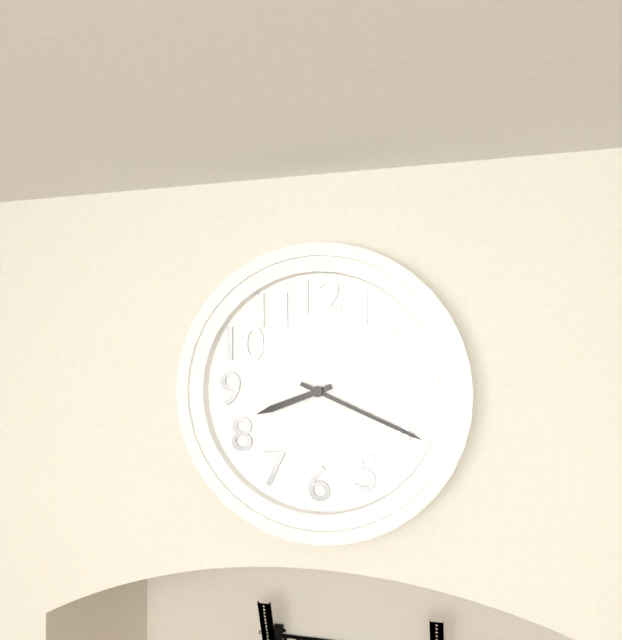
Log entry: 8:19
